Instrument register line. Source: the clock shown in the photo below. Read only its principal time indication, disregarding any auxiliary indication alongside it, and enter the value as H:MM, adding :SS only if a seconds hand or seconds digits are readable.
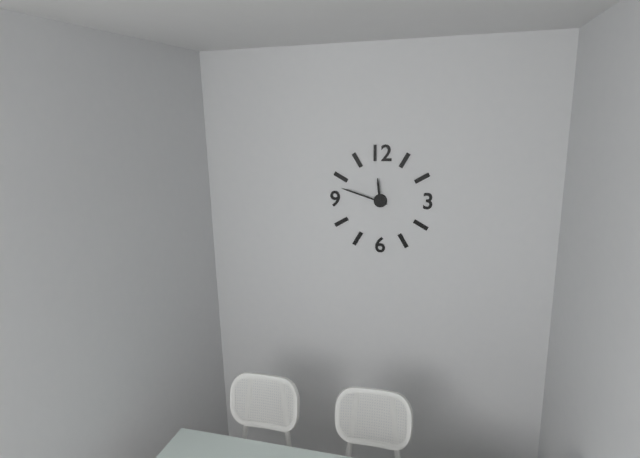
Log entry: 11:48
